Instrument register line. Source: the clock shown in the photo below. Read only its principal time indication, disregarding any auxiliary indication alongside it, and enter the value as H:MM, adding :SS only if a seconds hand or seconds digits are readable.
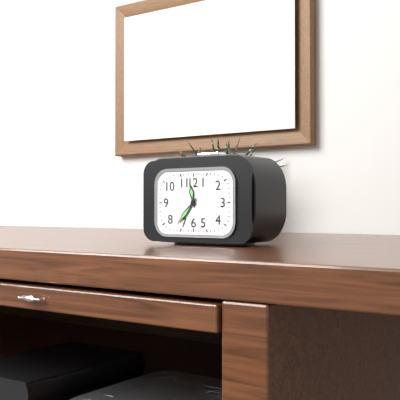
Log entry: 11:37
